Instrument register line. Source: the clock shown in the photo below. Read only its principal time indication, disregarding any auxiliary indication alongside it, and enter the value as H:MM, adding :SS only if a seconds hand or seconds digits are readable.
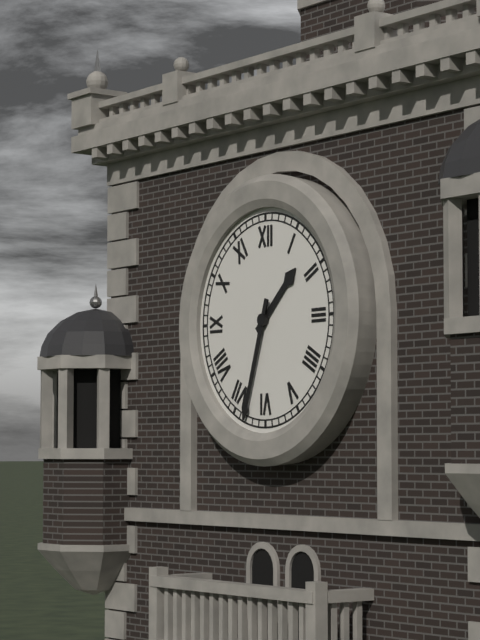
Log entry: 1:33
